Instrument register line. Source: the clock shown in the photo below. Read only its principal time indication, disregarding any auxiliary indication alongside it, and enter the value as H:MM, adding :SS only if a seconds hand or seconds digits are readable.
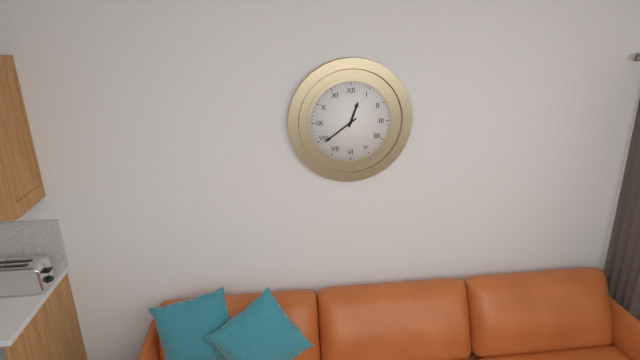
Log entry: 12:39
